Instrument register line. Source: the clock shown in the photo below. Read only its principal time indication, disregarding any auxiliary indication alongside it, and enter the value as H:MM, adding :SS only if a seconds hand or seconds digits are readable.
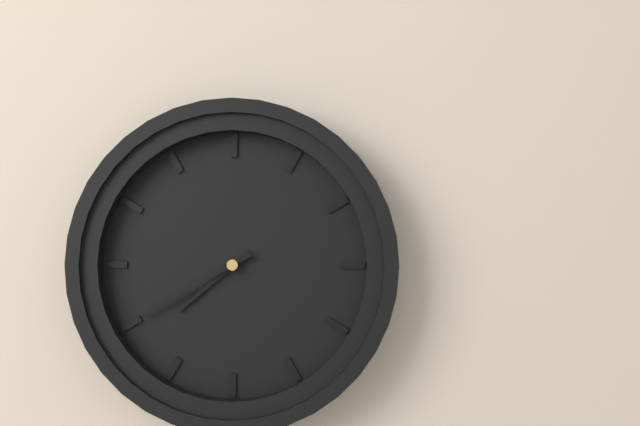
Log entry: 7:40
